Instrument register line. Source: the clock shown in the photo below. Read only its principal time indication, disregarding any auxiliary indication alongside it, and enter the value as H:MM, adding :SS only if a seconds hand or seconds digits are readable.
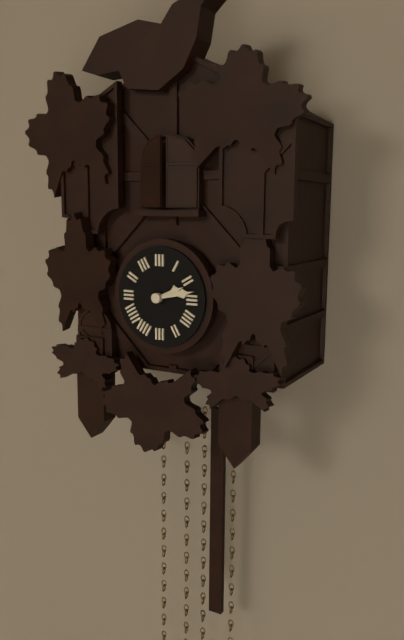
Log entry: 2:13
